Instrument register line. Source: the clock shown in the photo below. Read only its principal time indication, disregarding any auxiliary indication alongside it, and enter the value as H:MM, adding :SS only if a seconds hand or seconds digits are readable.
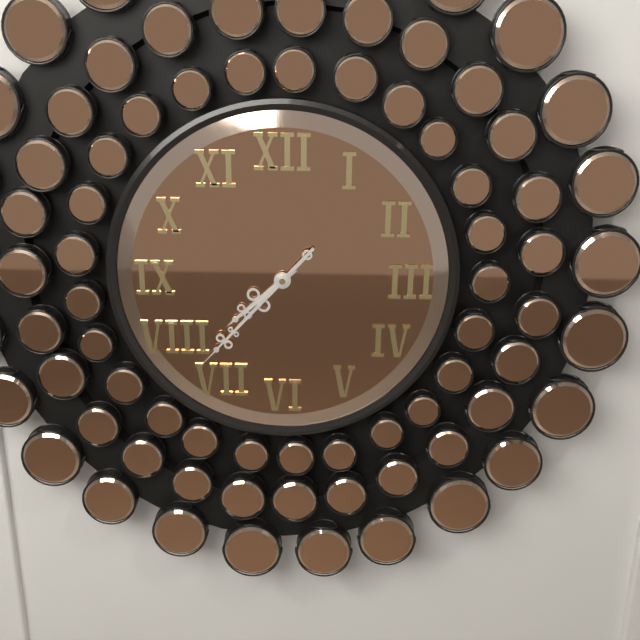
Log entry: 7:37
